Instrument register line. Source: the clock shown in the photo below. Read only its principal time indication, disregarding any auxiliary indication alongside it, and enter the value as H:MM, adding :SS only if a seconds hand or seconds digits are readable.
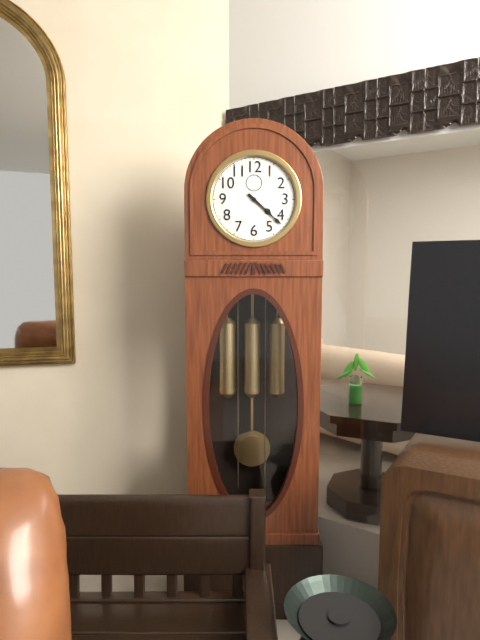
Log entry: 4:22
